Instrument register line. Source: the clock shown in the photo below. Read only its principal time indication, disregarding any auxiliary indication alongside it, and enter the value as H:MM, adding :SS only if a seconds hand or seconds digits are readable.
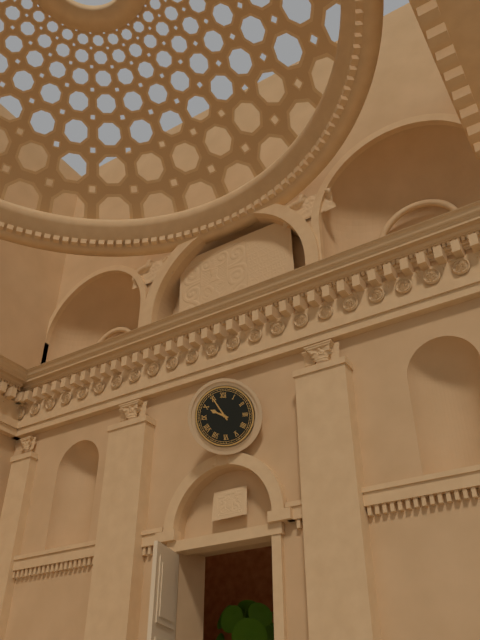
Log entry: 9:55
